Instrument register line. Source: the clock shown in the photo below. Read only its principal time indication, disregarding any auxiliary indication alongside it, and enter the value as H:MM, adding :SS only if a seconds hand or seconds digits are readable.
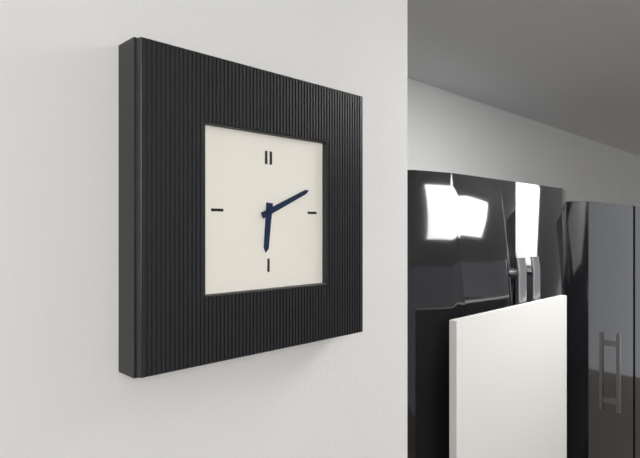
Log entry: 6:11
